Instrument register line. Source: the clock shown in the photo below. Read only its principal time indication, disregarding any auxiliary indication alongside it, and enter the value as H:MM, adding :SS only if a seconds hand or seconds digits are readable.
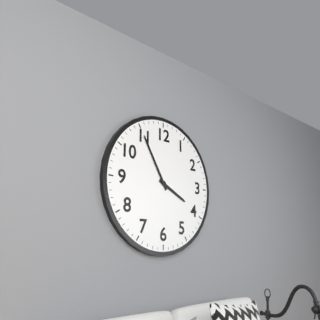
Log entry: 3:55
